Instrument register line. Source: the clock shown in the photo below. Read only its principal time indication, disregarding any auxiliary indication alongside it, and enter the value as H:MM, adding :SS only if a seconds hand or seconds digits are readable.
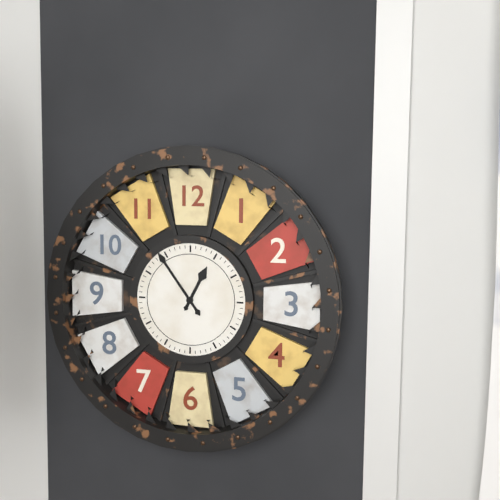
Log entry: 12:54
